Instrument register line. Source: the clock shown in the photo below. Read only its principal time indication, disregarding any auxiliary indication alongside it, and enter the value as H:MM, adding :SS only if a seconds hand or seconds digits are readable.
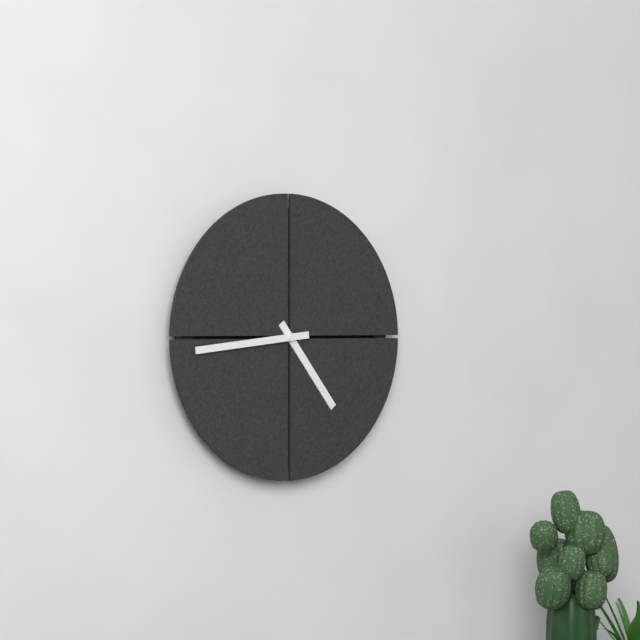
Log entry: 4:44
